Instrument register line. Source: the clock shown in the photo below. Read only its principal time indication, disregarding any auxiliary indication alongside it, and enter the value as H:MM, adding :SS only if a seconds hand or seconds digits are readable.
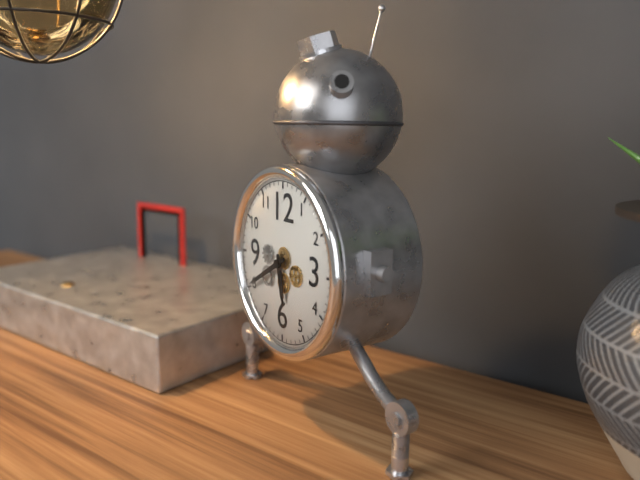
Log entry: 5:40
